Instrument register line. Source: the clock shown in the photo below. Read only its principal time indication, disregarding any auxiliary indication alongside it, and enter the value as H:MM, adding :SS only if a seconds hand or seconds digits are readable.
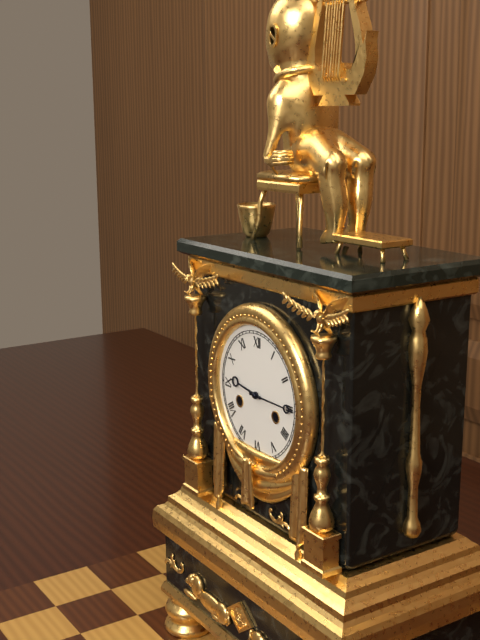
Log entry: 9:15
